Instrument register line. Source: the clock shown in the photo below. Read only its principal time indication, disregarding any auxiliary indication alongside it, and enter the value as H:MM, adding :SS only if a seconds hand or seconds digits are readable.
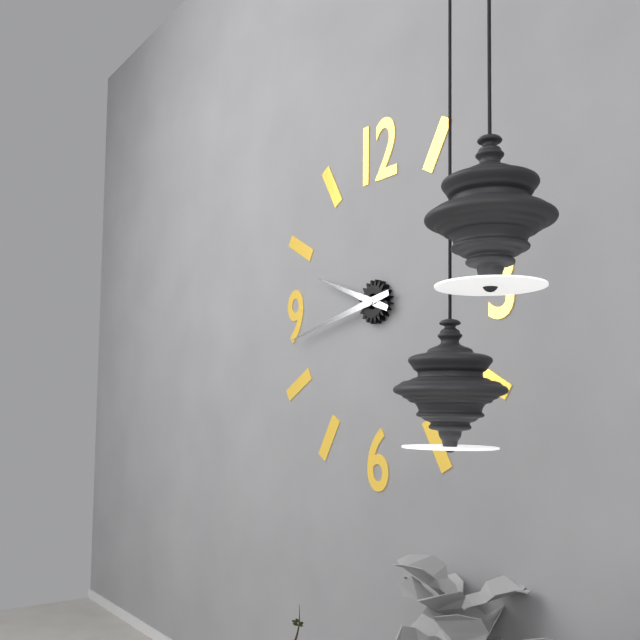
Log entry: 9:43
